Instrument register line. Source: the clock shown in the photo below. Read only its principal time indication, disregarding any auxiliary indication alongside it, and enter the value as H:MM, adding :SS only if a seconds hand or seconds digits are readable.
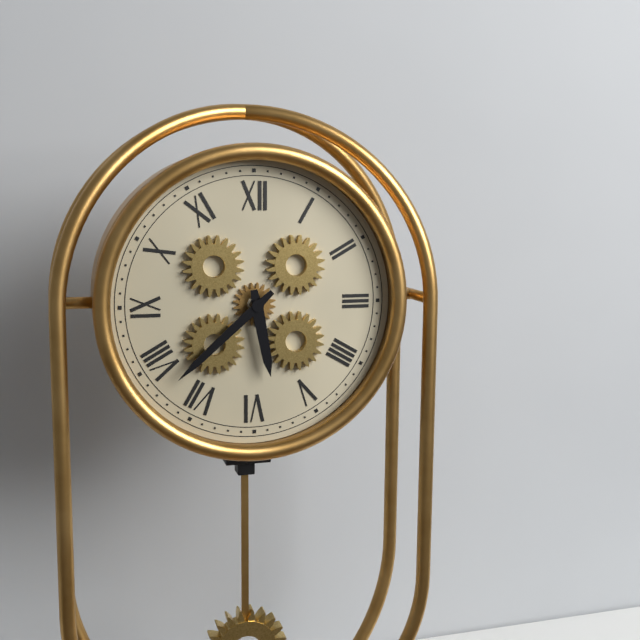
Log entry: 5:38
